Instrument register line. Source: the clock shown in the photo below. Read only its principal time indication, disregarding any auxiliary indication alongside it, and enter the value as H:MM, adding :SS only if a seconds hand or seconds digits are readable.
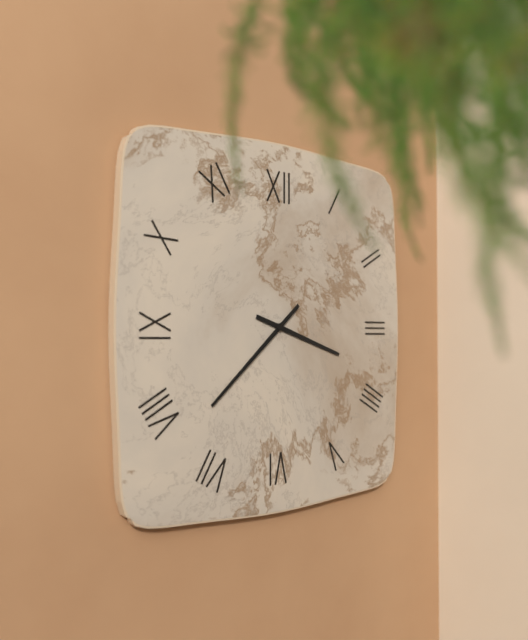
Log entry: 3:38
